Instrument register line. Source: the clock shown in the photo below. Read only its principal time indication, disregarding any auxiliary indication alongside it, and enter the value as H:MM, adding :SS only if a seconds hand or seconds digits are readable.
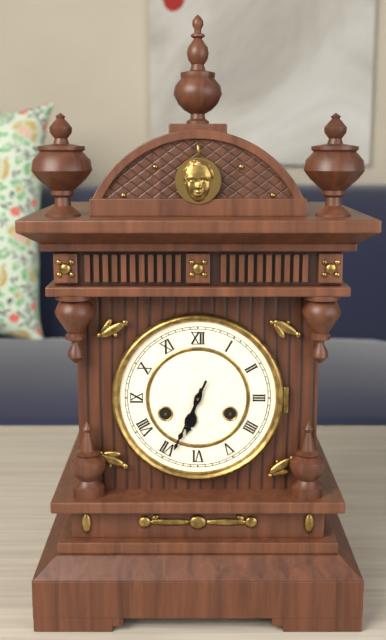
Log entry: 6:34
